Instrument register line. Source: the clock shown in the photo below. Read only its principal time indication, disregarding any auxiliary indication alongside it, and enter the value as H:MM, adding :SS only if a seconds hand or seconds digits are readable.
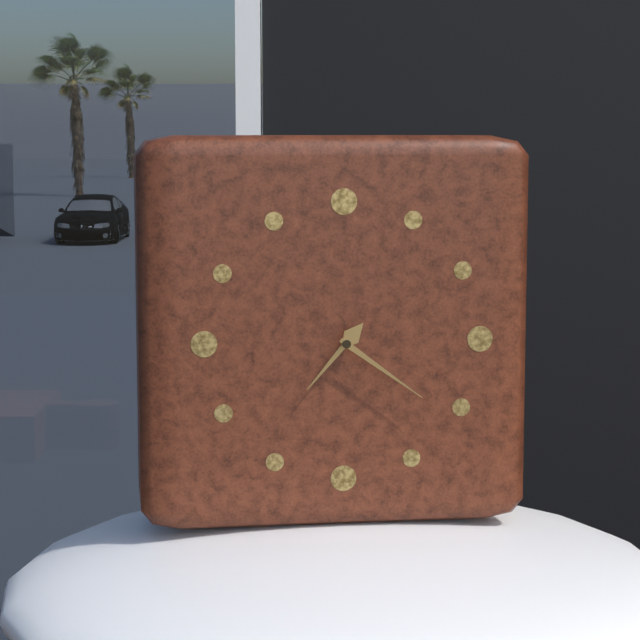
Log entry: 7:21
